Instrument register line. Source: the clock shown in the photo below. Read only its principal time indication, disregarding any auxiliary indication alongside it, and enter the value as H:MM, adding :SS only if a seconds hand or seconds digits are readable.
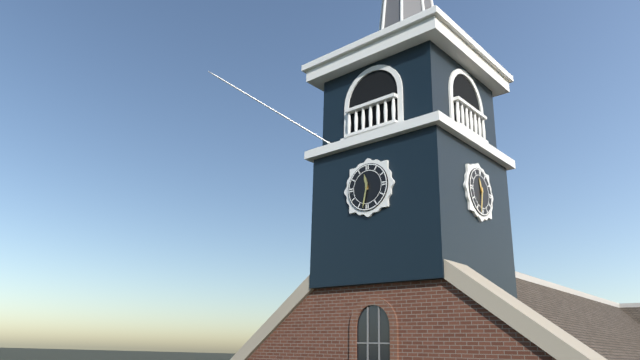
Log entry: 11:32
